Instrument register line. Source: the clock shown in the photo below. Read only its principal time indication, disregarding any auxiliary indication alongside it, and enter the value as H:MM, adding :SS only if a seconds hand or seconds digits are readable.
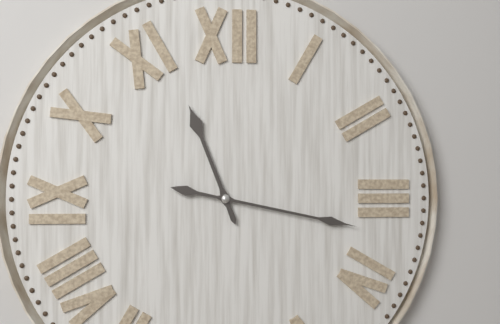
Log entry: 11:17
